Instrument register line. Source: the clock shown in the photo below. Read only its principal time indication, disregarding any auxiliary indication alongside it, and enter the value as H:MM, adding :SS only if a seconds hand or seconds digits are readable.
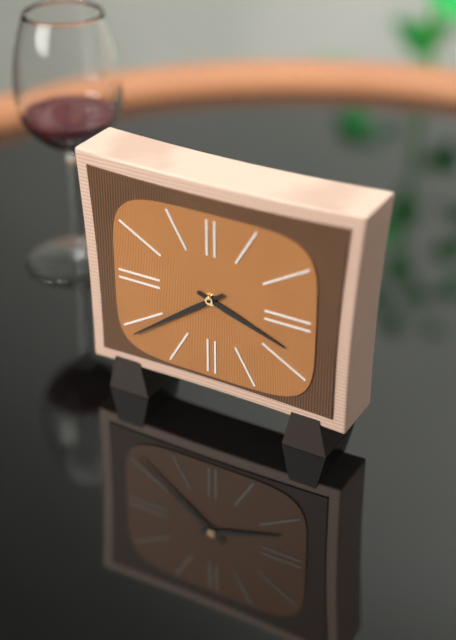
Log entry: 3:39
